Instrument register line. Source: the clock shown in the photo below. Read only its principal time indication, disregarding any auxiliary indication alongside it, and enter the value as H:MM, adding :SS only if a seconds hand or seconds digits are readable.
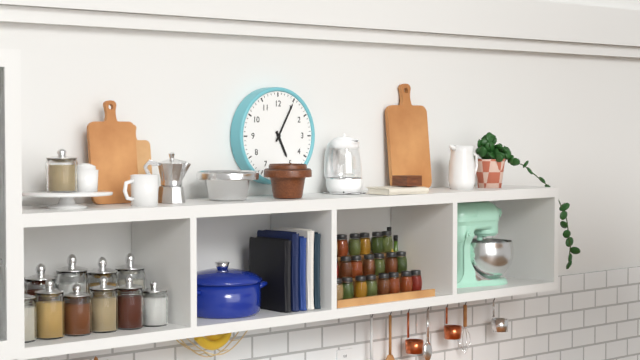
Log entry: 5:05
